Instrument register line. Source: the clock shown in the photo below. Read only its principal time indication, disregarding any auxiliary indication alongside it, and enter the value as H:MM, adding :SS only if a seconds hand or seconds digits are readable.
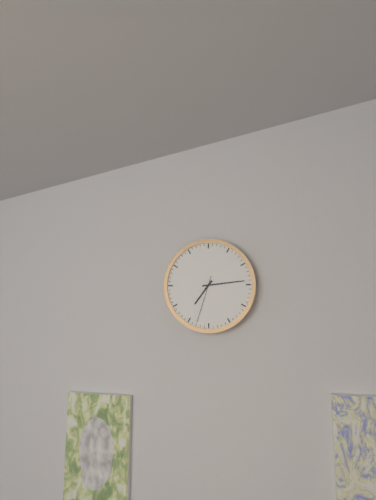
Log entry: 7:14
